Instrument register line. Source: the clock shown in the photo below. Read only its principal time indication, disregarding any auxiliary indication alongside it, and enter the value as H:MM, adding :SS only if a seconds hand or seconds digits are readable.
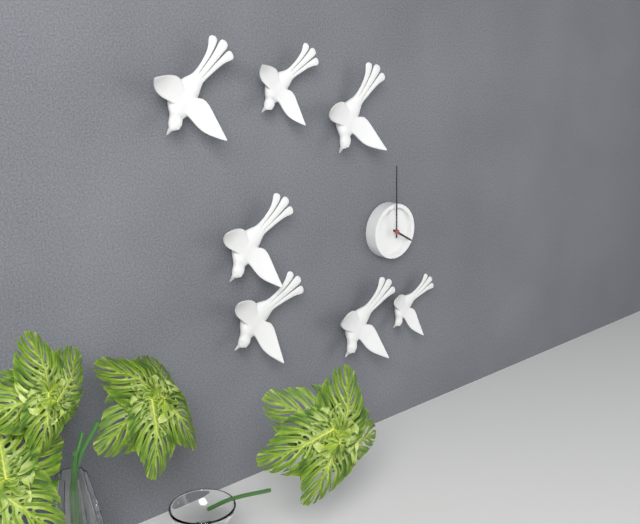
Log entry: 4:00
